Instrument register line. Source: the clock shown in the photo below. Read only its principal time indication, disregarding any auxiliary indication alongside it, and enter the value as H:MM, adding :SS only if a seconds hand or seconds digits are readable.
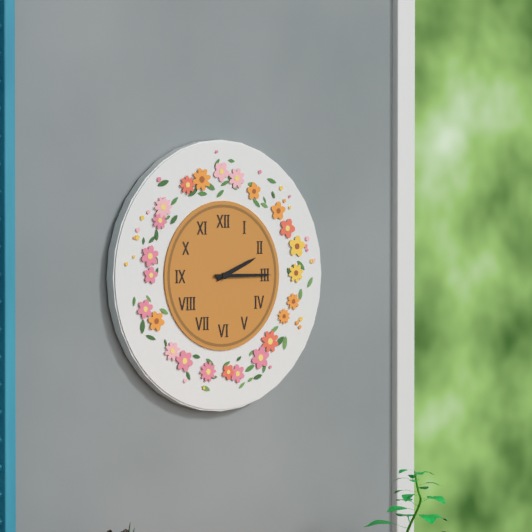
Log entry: 2:15
